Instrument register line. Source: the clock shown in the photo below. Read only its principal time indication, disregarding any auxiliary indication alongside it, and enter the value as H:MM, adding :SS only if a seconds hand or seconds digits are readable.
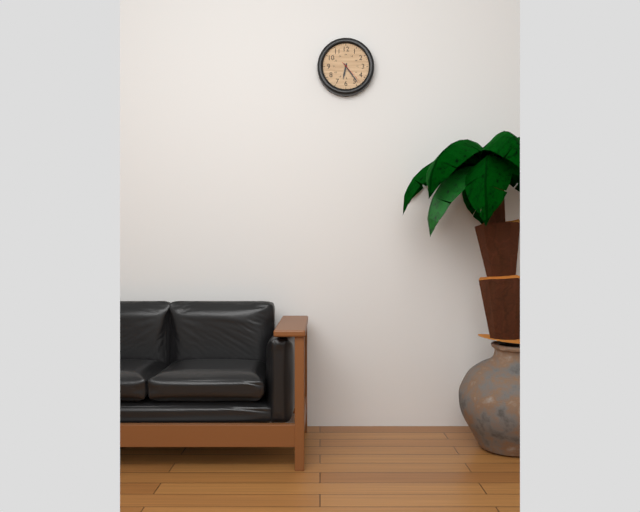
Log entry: 6:24
